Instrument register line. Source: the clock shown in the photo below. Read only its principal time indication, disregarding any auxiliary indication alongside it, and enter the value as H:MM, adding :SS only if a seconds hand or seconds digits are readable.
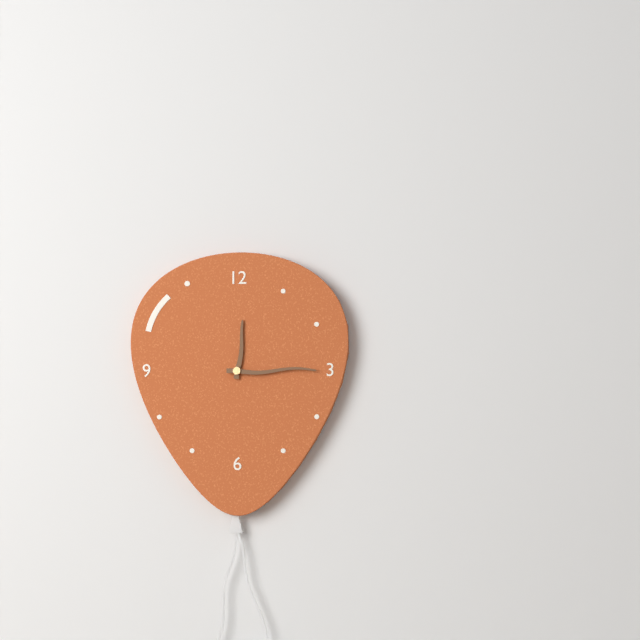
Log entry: 12:15
